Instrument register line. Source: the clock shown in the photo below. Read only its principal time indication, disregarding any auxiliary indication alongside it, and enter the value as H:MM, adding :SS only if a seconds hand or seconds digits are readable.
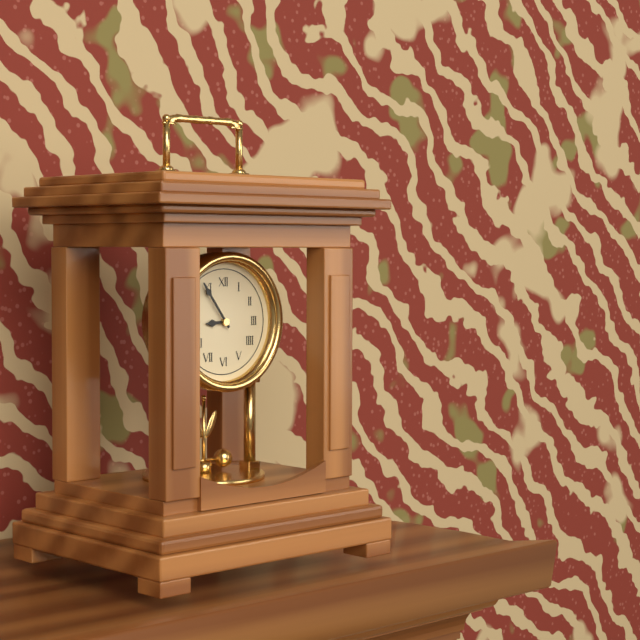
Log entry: 8:54
